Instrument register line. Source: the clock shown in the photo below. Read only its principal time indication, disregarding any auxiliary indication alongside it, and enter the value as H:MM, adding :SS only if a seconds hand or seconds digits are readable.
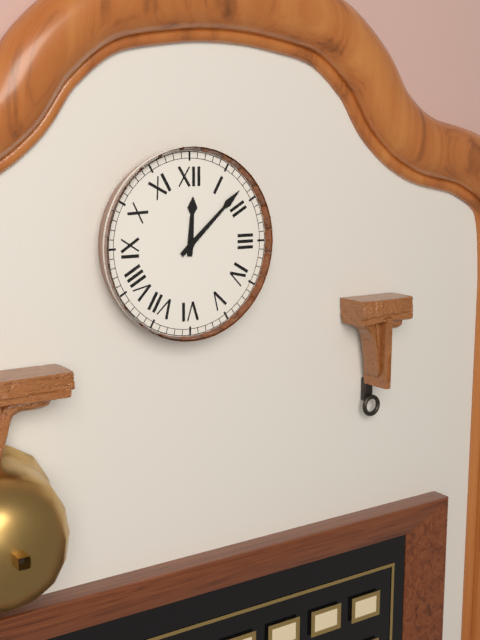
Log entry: 12:08
